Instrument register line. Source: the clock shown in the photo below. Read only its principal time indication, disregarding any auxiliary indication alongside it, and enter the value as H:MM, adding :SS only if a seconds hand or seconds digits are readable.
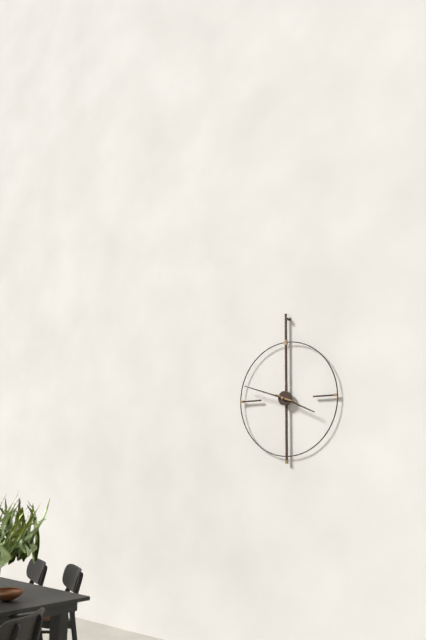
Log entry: 3:48
